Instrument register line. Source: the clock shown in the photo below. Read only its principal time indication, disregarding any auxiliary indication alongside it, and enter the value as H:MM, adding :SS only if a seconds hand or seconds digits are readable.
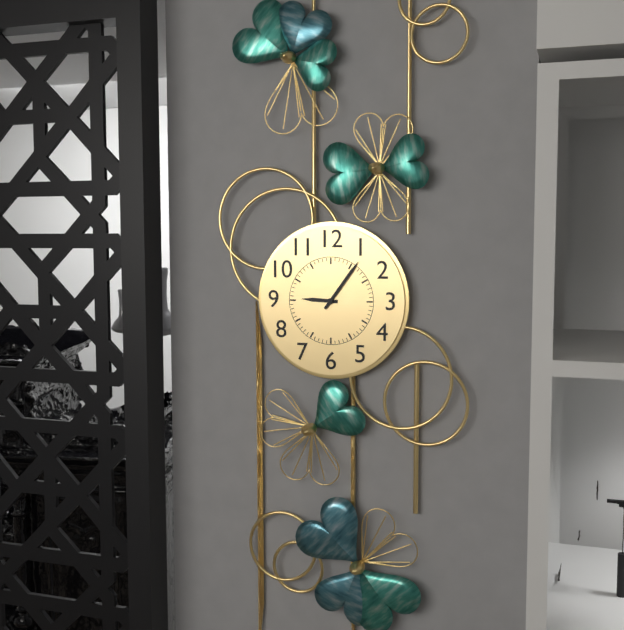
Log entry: 9:06
